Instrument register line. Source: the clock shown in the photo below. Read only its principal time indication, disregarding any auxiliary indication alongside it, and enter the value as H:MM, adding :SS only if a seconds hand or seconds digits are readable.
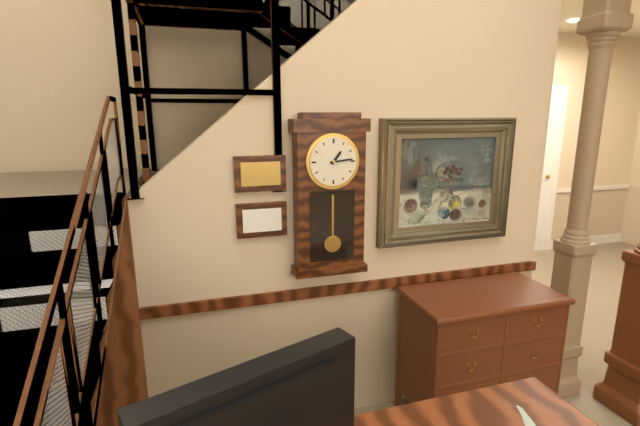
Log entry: 1:14
